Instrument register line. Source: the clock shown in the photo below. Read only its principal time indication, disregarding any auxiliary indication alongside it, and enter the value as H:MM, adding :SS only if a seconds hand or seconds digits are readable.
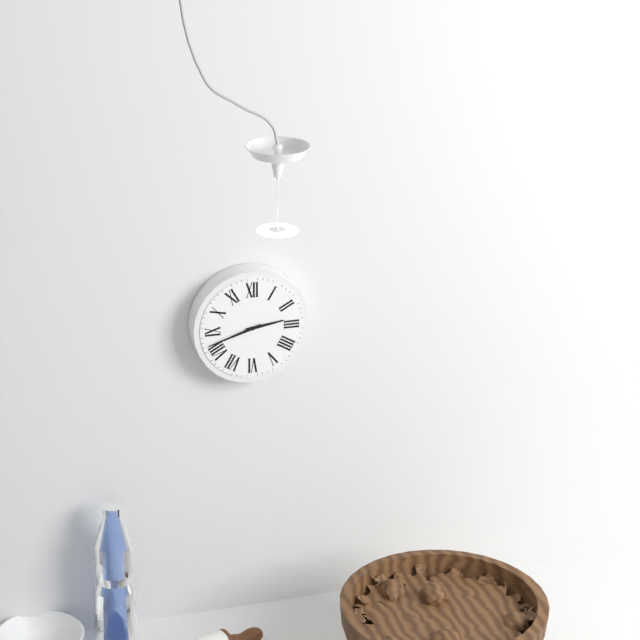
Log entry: 2:42
